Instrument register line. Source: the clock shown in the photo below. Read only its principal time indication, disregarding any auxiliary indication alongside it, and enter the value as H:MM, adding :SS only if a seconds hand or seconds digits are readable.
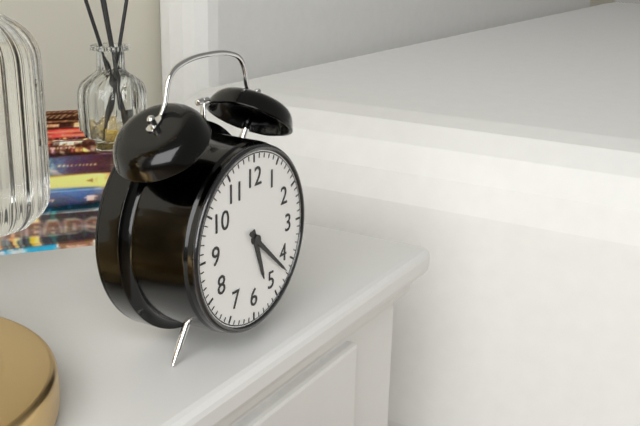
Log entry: 5:22
